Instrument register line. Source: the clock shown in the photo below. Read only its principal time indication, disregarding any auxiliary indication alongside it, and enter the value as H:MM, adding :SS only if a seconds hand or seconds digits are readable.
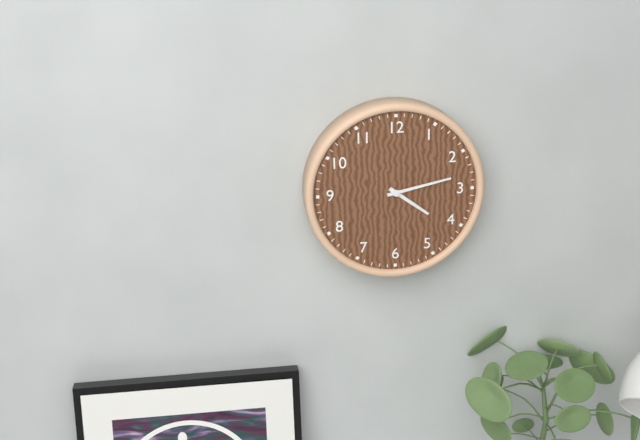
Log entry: 4:13
